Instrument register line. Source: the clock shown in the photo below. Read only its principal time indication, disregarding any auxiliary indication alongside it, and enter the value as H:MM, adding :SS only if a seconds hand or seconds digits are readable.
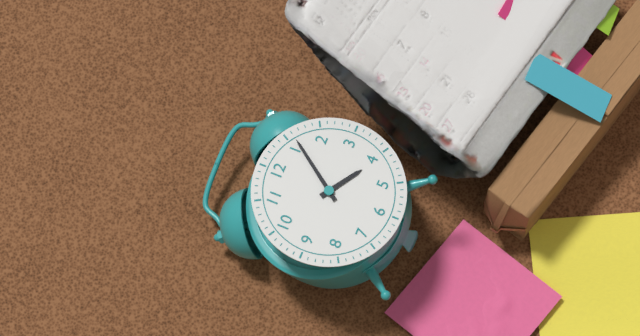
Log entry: 4:06
